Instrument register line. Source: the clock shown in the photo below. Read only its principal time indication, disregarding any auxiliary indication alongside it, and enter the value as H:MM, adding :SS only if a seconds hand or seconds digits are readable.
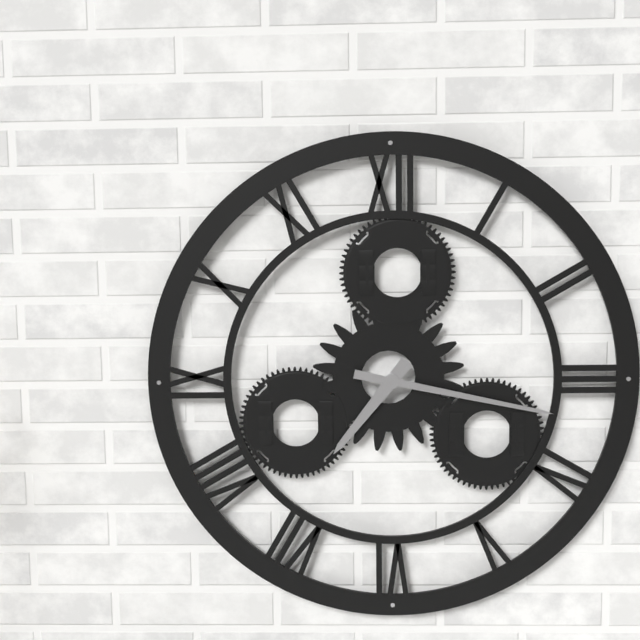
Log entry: 7:17
